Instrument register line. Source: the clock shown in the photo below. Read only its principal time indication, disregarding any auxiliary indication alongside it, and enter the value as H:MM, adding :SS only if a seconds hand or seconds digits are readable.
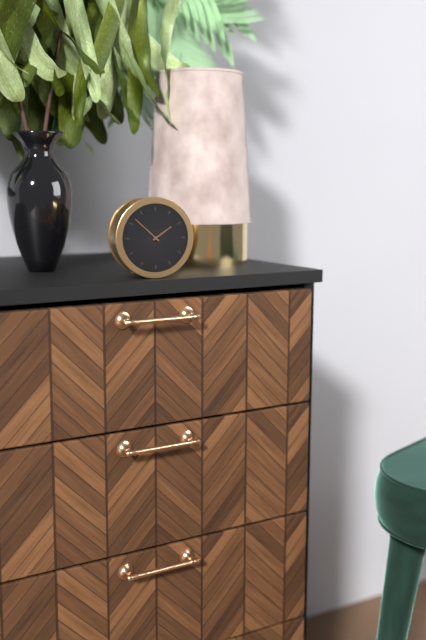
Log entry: 1:52
